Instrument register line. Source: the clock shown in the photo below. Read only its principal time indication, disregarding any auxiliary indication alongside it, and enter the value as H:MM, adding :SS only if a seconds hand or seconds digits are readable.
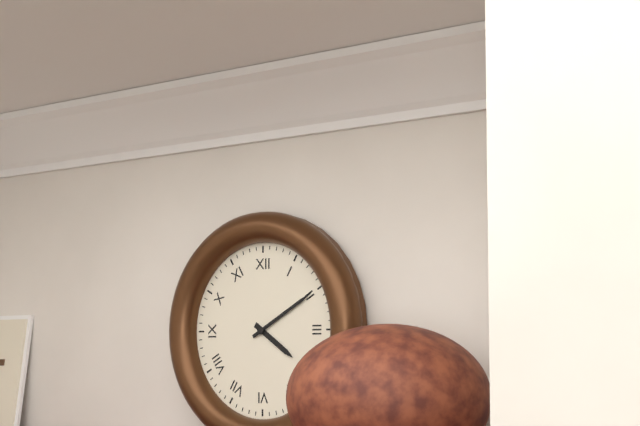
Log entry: 4:10
